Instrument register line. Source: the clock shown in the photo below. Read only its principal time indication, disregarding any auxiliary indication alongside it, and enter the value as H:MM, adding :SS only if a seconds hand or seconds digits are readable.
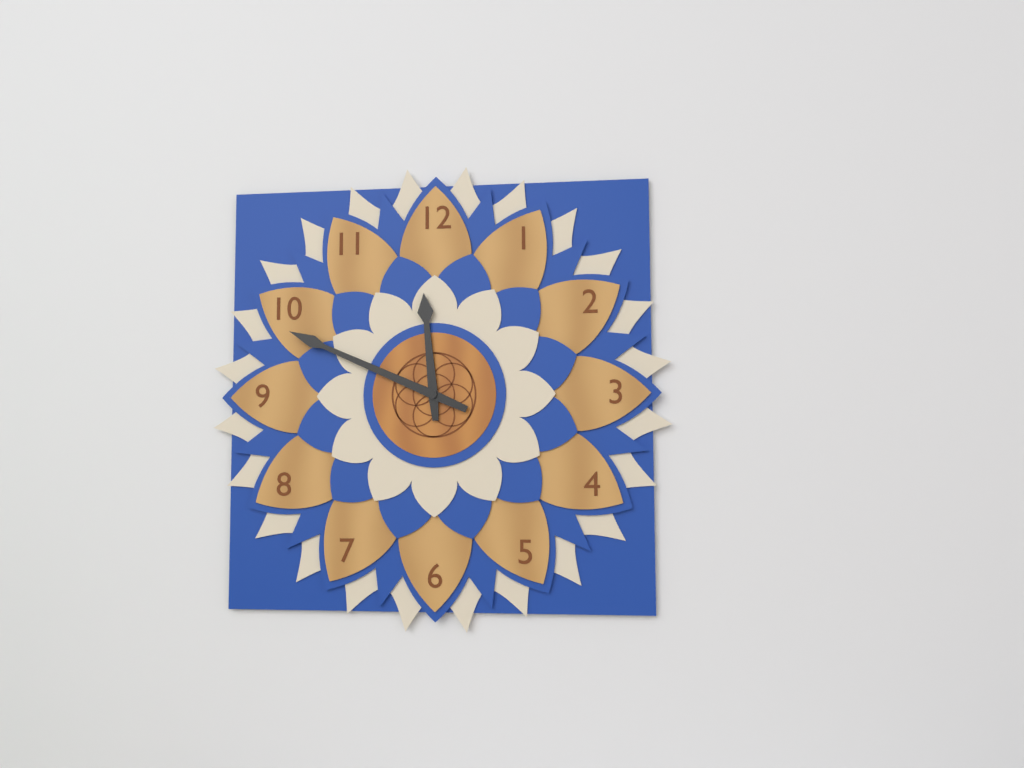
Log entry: 11:49
